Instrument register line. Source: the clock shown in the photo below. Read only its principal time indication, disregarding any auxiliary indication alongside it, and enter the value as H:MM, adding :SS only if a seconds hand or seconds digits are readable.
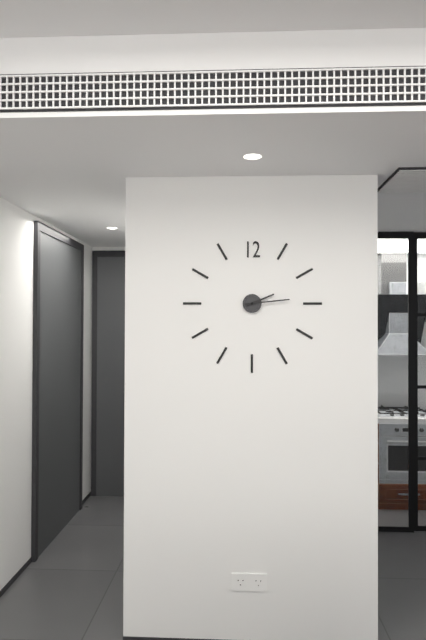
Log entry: 2:14
